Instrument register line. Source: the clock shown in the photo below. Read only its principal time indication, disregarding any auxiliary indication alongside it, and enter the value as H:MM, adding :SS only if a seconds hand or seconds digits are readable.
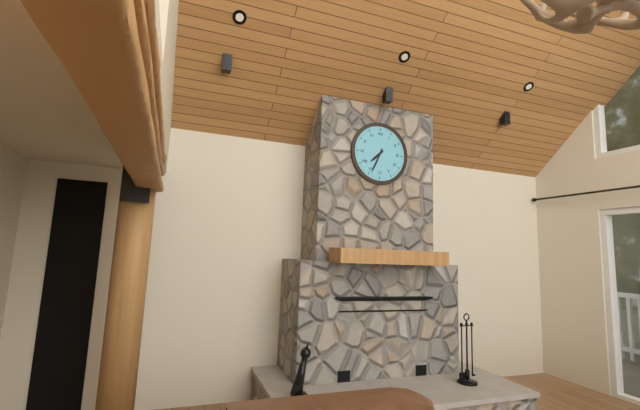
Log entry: 7:34
